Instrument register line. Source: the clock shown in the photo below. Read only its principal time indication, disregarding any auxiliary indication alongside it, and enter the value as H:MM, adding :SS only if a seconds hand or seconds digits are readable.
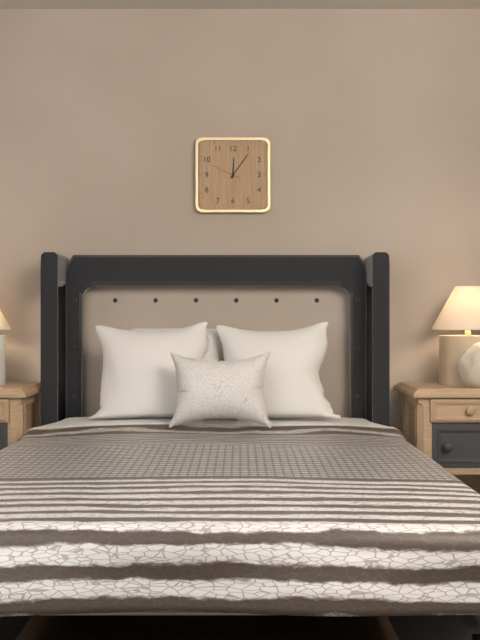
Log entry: 12:06
